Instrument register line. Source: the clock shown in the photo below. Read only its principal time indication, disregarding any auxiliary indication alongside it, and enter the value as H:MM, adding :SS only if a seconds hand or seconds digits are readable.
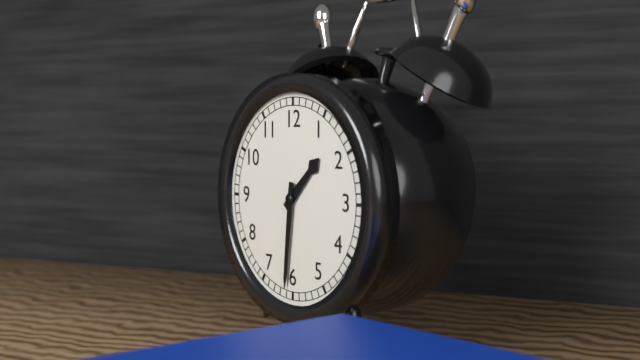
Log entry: 1:31
